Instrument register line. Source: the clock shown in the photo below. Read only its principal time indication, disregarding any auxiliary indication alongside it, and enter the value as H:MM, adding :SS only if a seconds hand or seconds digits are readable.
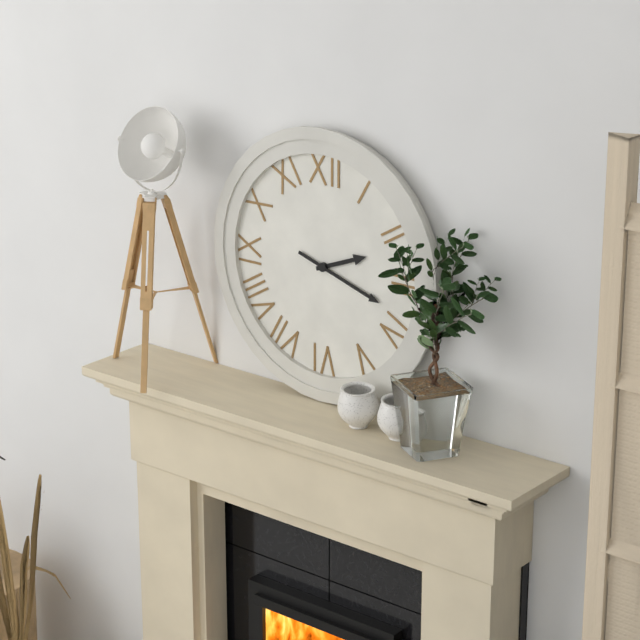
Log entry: 2:18
